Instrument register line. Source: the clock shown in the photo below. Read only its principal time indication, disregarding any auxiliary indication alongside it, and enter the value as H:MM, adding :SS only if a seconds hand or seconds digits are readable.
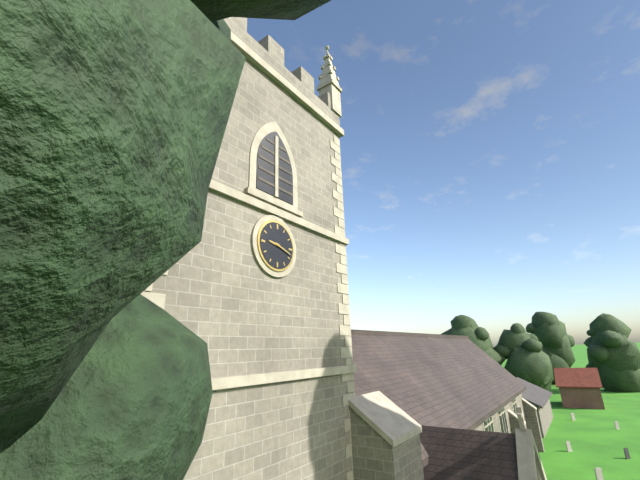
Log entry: 9:18
